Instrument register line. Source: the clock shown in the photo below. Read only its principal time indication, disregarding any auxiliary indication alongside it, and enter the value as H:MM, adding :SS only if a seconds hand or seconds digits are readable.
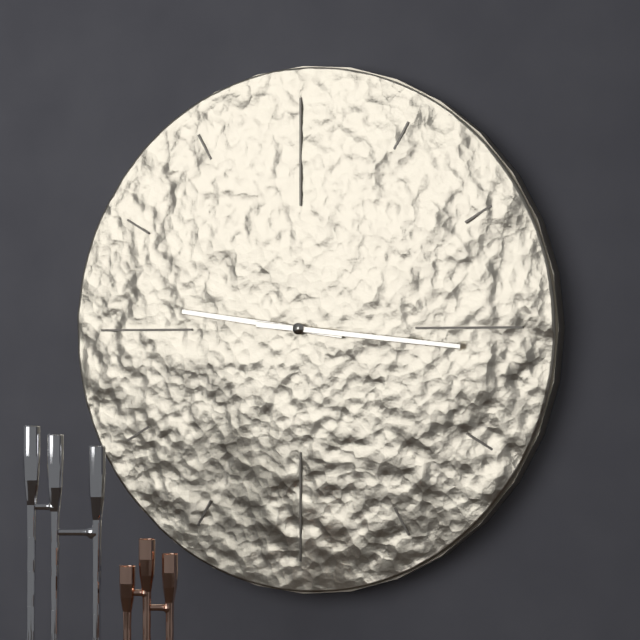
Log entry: 9:16
